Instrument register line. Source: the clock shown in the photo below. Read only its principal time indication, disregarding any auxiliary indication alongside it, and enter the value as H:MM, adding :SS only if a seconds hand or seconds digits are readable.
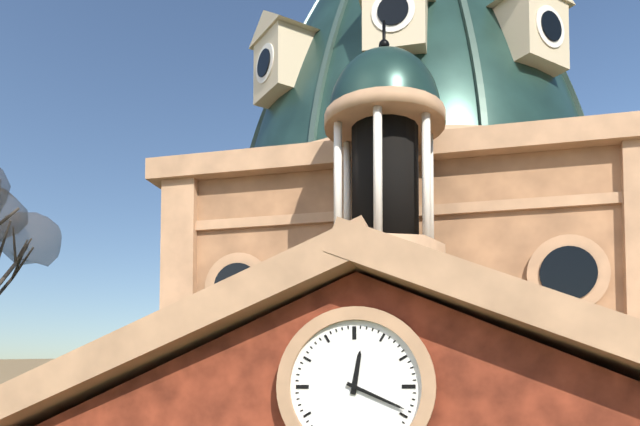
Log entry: 12:19
